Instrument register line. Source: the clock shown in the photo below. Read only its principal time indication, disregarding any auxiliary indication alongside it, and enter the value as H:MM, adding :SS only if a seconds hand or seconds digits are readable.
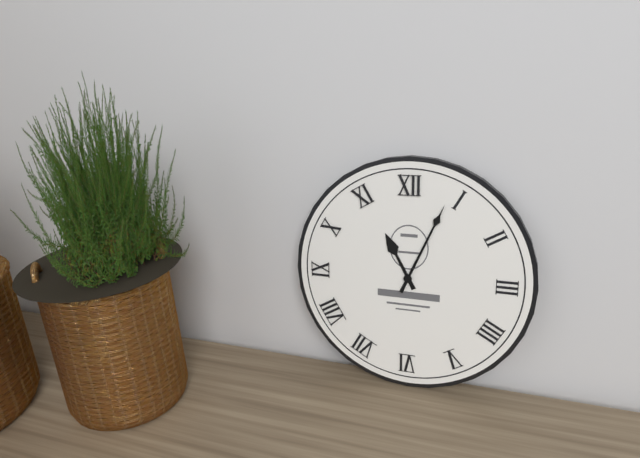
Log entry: 11:04
